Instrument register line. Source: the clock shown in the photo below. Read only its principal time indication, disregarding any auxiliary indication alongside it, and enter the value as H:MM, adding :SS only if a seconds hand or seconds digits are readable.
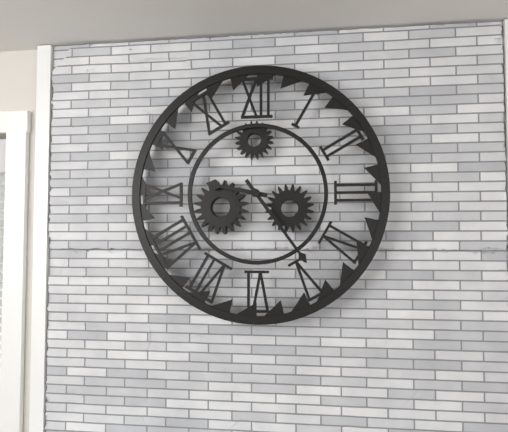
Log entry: 9:24
